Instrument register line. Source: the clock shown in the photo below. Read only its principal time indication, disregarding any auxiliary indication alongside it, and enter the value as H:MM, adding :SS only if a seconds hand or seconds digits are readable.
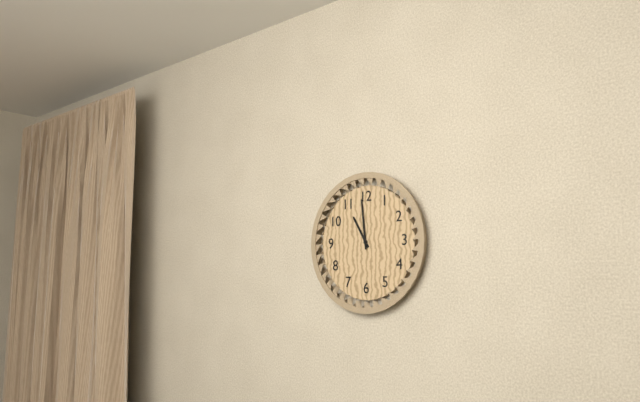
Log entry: 10:59
